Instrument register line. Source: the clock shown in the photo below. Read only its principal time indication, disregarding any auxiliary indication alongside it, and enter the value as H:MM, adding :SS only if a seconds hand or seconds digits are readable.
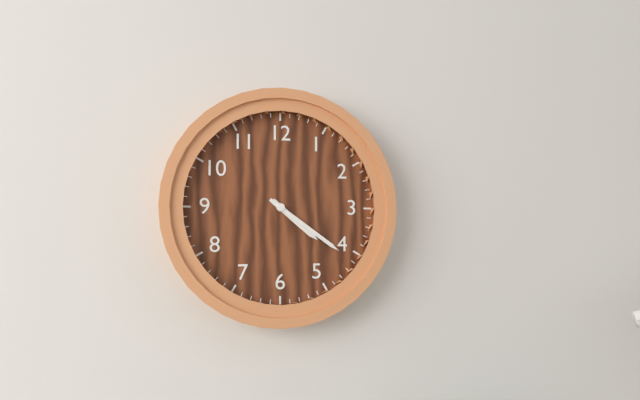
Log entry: 4:21
